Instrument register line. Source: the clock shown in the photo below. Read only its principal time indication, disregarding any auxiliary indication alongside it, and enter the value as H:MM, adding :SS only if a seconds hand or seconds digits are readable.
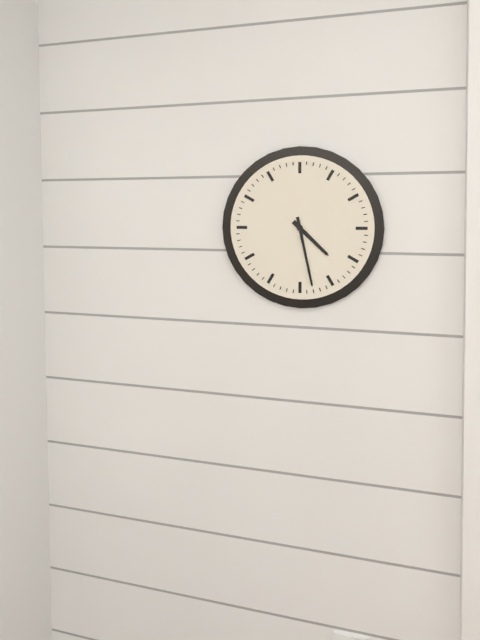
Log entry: 4:28
